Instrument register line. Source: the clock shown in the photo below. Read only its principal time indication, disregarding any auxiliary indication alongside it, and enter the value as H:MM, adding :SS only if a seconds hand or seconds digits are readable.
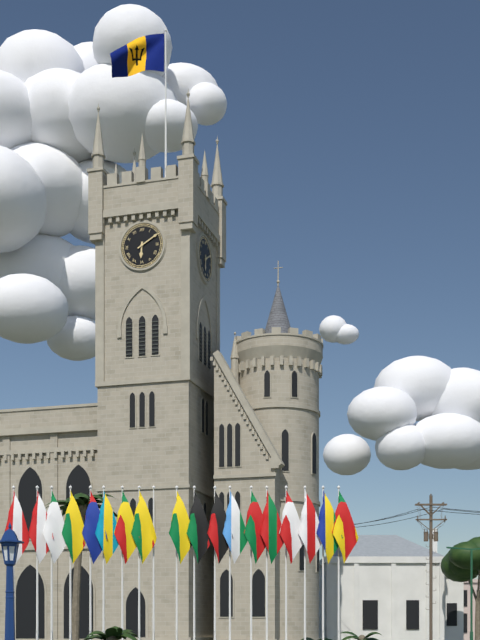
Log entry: 6:10
